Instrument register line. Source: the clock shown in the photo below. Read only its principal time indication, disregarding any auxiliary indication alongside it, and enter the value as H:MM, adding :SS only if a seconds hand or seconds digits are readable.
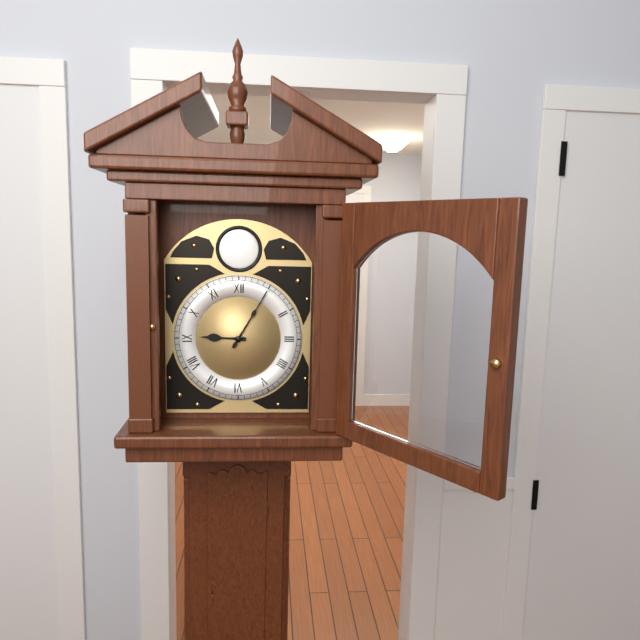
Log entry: 9:05
